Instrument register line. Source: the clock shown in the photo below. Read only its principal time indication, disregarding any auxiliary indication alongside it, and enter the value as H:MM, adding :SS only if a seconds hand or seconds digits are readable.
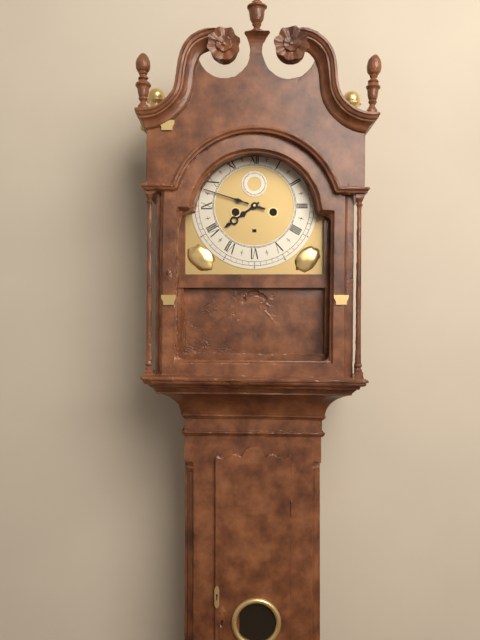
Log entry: 7:48
